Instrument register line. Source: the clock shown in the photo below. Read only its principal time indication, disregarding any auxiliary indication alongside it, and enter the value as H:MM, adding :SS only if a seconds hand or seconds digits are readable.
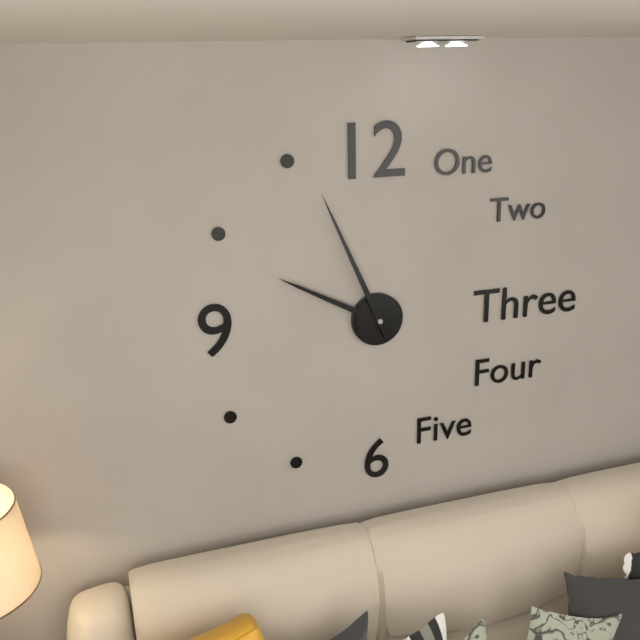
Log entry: 9:56
